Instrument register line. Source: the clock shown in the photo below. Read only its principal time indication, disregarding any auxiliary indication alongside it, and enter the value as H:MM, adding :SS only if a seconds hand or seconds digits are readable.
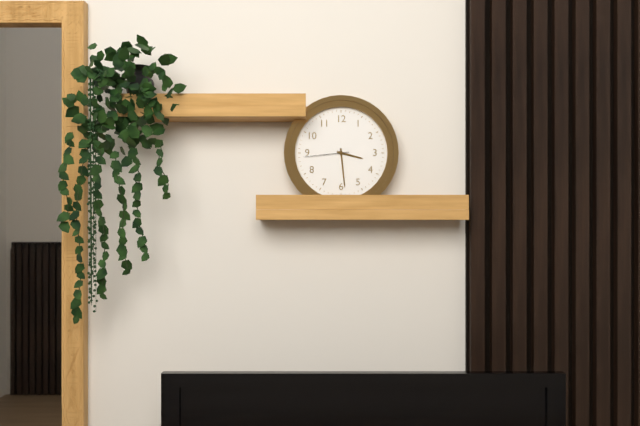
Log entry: 3:29
